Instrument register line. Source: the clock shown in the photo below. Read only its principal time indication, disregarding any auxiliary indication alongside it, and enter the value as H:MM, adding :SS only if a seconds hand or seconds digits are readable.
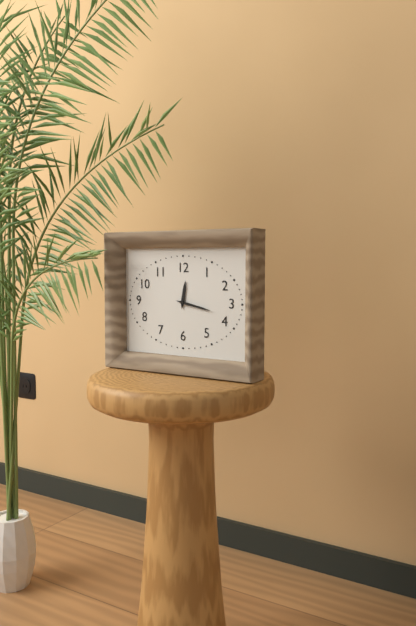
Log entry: 12:17
